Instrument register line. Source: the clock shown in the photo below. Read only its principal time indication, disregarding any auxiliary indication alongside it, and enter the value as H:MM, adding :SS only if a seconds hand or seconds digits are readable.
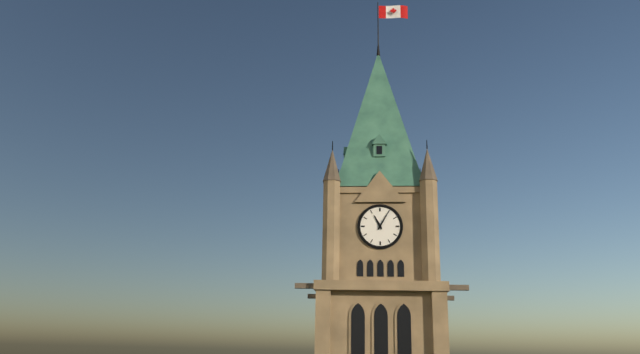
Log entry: 11:05
